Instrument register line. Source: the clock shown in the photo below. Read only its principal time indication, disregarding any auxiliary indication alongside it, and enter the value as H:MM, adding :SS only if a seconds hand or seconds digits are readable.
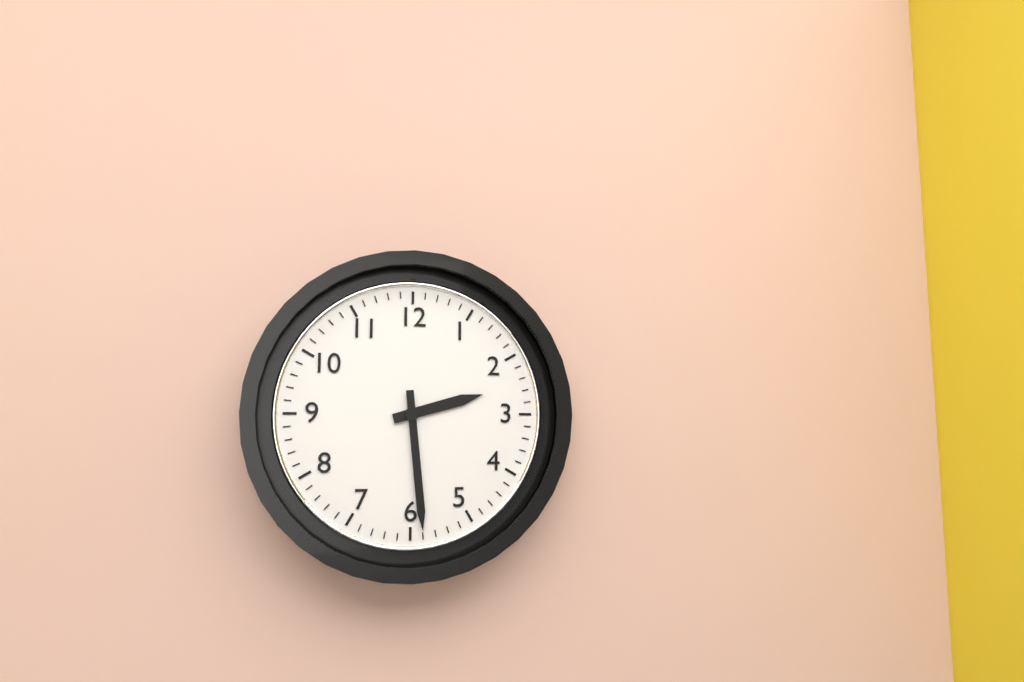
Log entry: 2:29
